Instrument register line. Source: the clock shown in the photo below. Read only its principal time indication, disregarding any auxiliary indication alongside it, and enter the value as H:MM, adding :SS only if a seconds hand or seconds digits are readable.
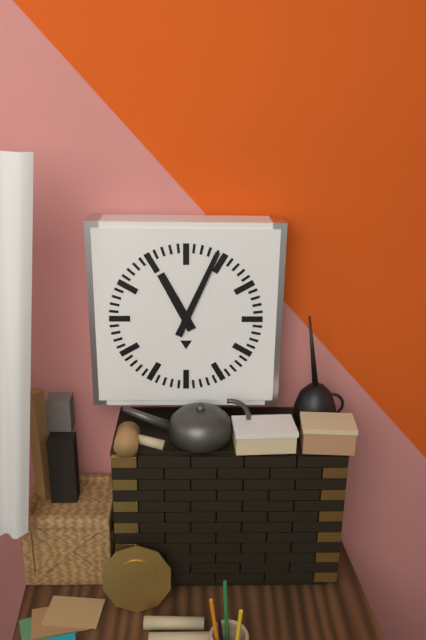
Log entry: 11:04
